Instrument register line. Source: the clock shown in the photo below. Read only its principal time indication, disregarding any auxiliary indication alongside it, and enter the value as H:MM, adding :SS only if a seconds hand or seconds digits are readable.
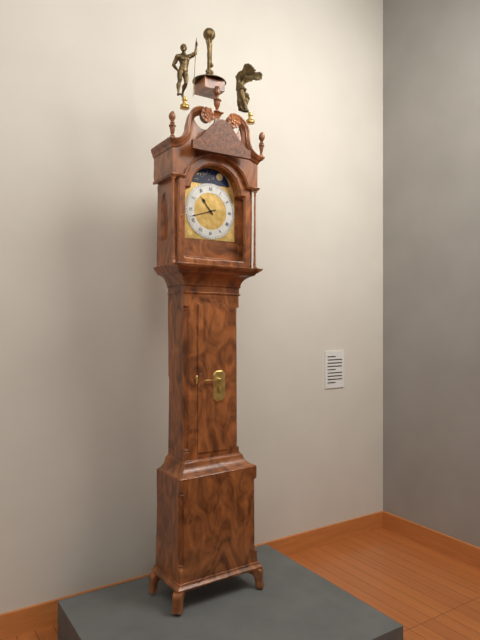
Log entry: 10:42
